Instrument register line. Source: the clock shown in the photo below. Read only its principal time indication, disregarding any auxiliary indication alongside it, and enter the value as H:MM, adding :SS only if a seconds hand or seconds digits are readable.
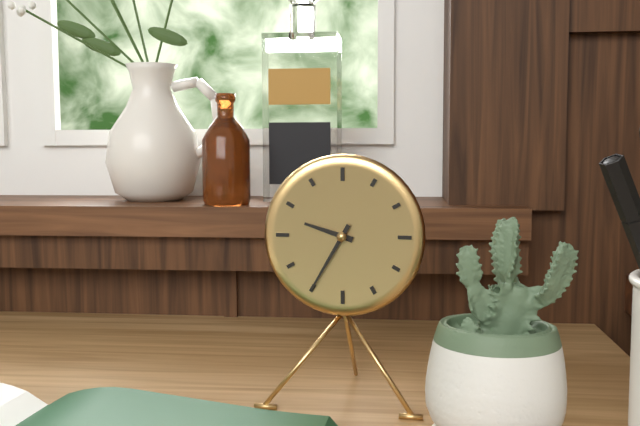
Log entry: 9:35
